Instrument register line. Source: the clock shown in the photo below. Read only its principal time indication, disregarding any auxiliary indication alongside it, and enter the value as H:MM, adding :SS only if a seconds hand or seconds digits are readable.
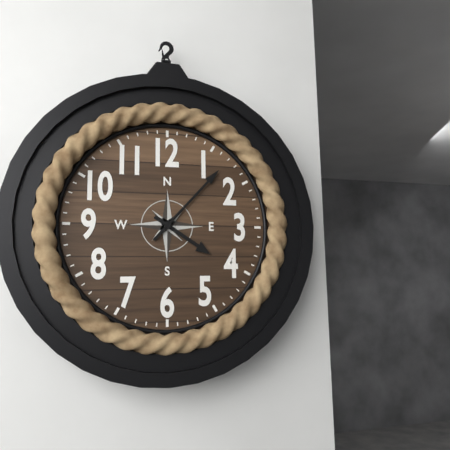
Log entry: 4:07
